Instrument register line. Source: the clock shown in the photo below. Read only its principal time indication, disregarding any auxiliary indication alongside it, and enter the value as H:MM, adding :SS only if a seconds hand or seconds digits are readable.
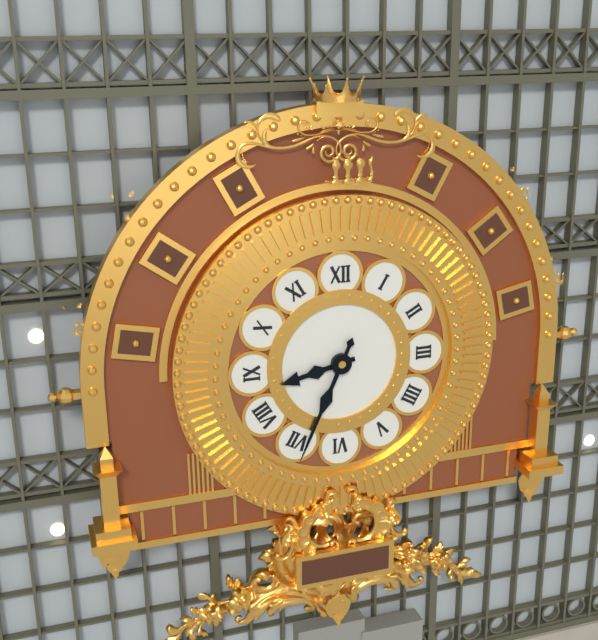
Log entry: 8:34
